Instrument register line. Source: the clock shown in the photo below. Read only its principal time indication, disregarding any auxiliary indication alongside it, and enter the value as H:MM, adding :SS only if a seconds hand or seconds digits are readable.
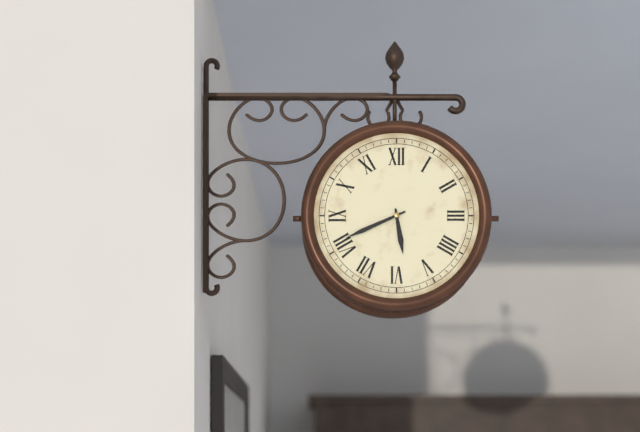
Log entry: 5:41
